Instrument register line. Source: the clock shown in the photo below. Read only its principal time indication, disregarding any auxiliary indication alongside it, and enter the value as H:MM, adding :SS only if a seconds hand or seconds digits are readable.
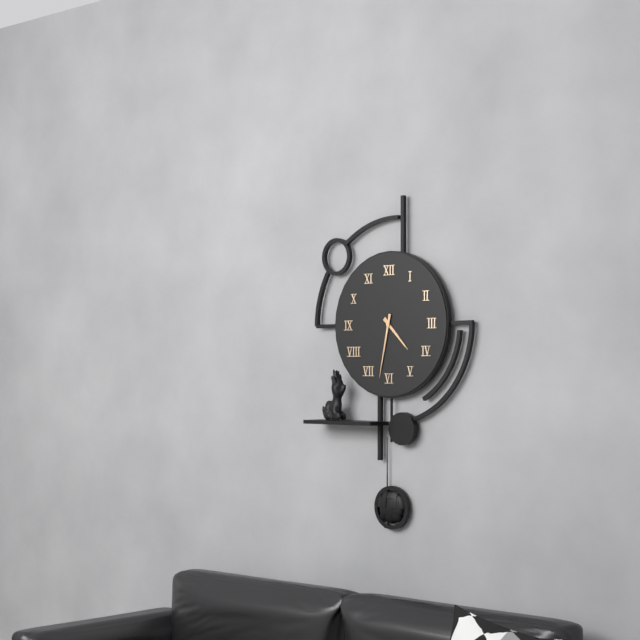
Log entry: 4:32
